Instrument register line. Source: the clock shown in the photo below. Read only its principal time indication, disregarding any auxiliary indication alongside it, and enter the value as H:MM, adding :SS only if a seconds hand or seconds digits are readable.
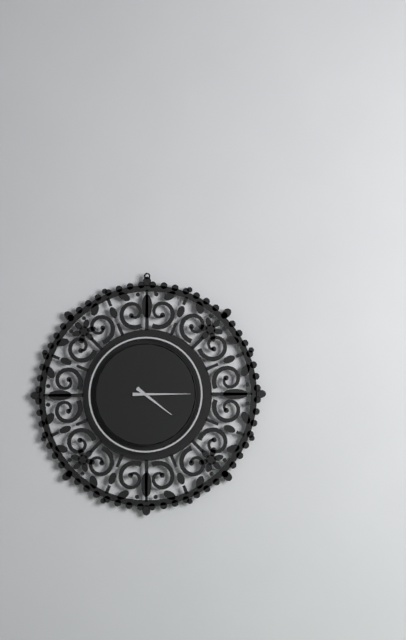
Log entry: 4:15
